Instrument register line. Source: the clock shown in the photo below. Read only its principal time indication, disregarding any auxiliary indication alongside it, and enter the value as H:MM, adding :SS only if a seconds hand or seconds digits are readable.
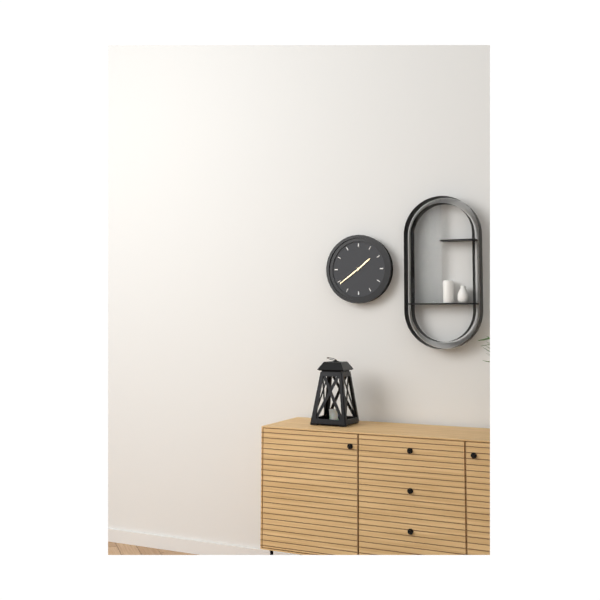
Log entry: 1:39
